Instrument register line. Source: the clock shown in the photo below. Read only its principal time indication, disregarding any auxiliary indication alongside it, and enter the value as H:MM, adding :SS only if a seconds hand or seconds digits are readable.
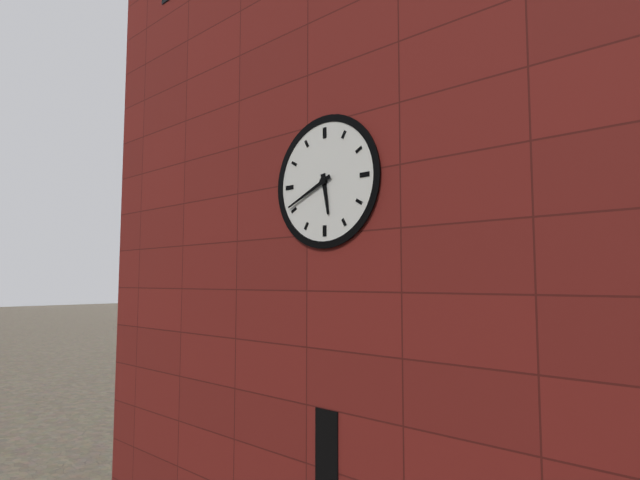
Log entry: 5:41
